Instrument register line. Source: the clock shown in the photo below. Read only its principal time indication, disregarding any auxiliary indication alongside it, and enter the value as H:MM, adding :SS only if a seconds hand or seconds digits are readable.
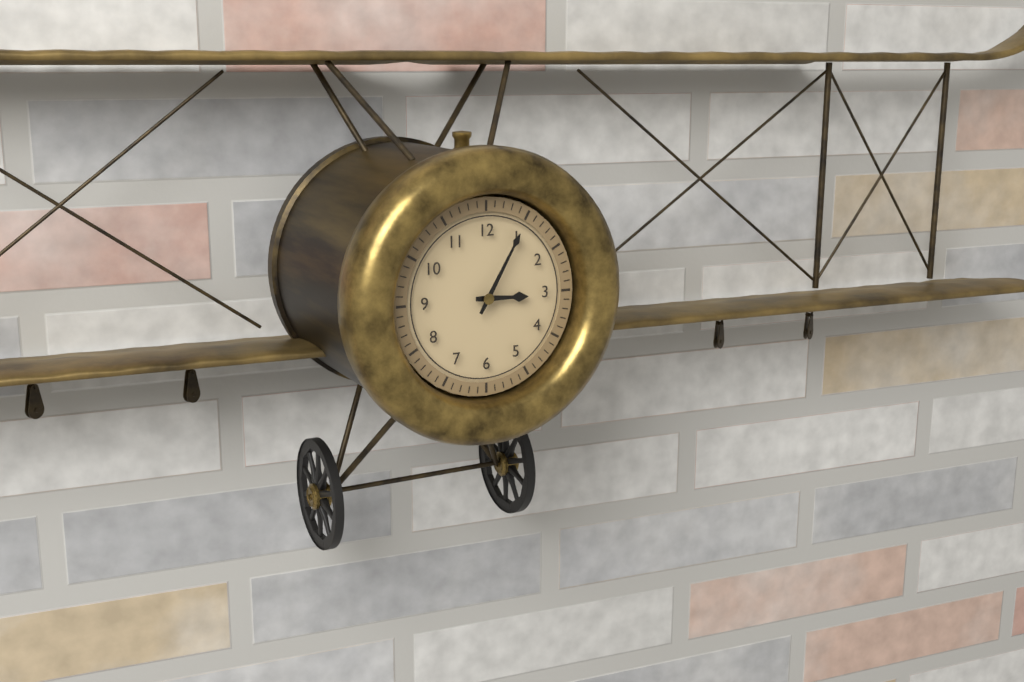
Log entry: 3:05
